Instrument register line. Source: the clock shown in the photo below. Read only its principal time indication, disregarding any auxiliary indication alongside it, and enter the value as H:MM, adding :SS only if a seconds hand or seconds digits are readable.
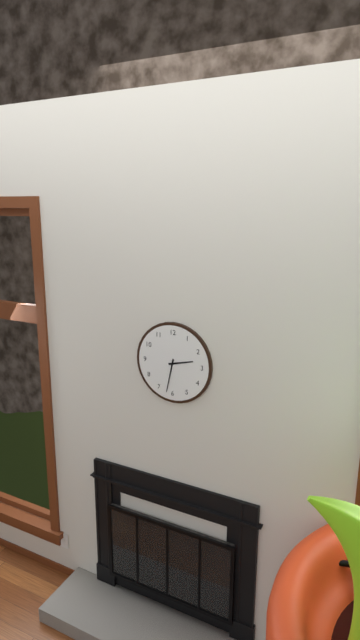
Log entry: 2:32
